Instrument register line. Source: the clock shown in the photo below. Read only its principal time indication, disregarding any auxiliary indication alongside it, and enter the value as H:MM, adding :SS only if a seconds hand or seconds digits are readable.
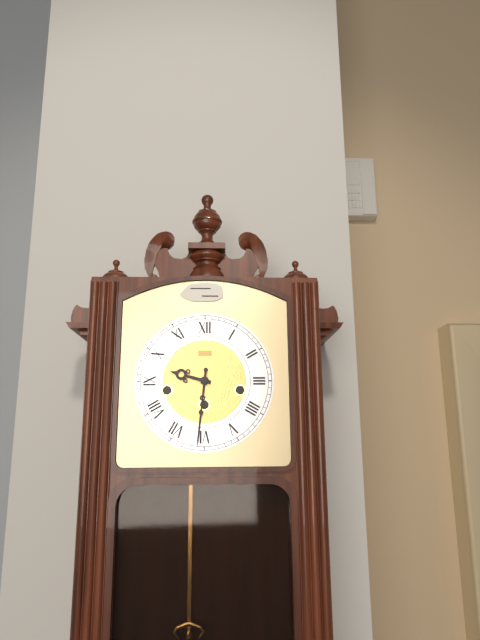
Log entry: 9:31
